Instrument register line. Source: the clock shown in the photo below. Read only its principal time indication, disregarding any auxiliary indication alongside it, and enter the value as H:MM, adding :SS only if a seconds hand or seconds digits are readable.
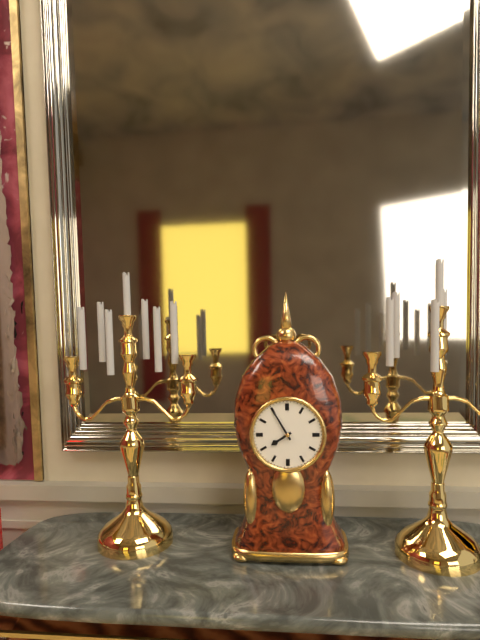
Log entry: 7:55
